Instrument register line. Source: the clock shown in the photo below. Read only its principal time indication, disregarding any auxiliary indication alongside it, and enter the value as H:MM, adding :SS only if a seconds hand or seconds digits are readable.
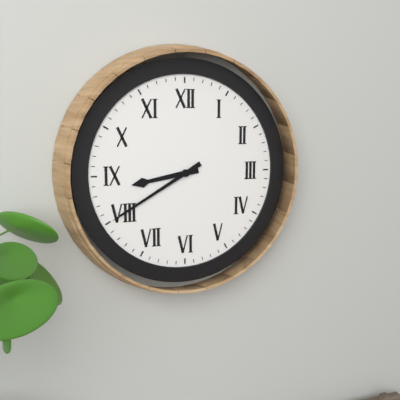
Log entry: 8:40
